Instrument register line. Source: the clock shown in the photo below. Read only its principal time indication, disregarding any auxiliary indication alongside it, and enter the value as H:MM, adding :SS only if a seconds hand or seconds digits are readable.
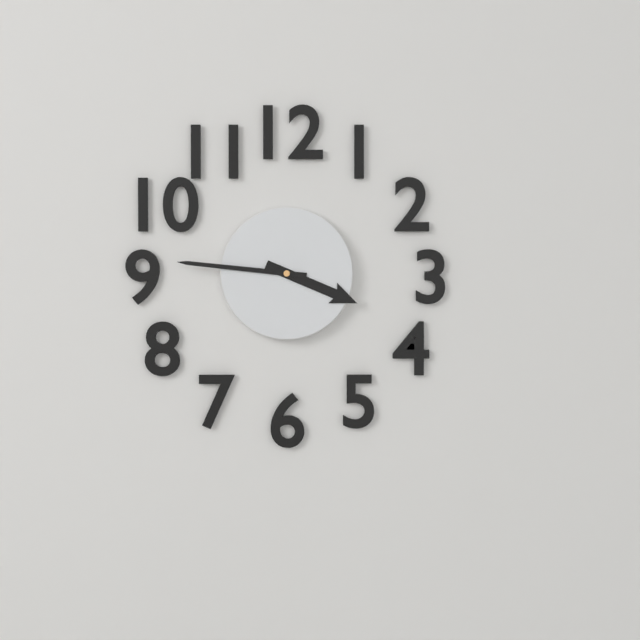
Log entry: 3:46
